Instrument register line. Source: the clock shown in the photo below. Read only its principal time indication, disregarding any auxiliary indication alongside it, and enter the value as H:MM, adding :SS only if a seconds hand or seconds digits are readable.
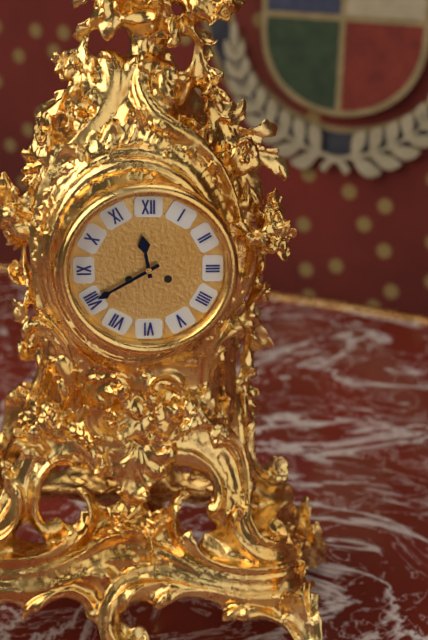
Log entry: 11:40
